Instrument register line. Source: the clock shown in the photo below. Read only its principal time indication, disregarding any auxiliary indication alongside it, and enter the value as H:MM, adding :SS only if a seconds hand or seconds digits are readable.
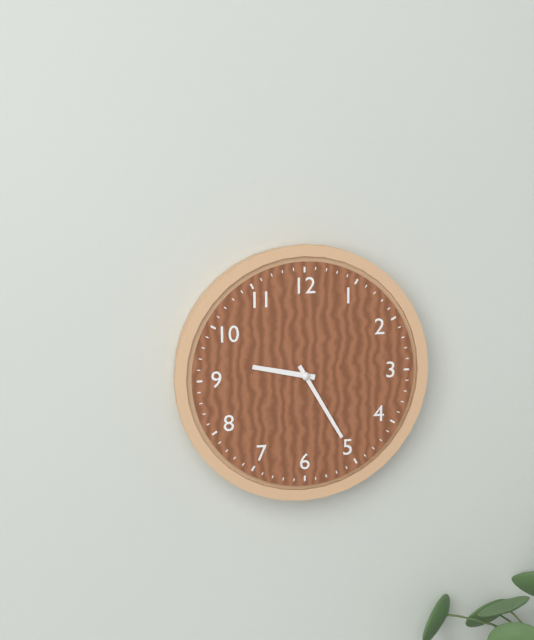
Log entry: 9:25
